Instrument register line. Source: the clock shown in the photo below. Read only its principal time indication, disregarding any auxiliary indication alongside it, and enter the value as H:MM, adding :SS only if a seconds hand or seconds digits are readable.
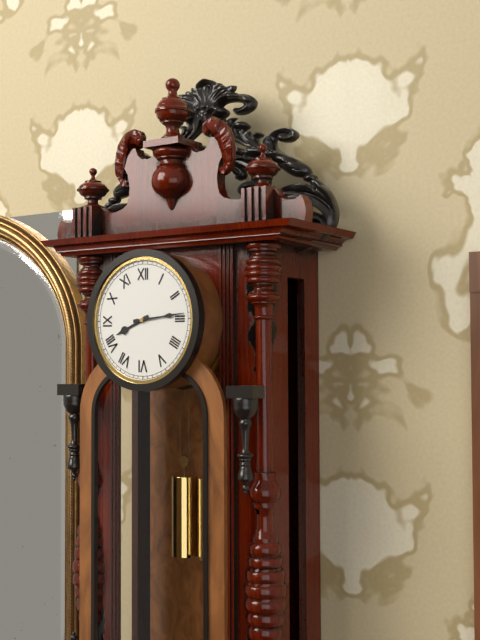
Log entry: 8:14
